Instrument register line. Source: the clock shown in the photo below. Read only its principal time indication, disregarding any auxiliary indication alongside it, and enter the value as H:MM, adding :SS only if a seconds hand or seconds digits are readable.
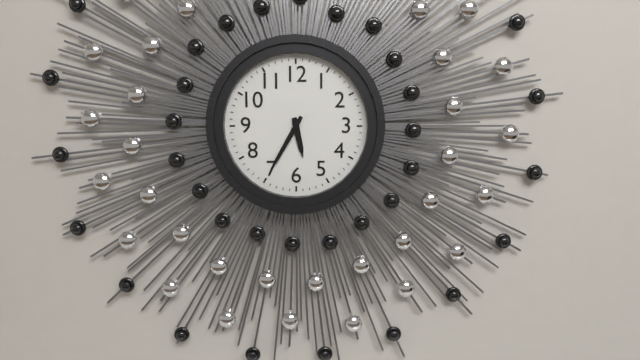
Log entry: 5:35
